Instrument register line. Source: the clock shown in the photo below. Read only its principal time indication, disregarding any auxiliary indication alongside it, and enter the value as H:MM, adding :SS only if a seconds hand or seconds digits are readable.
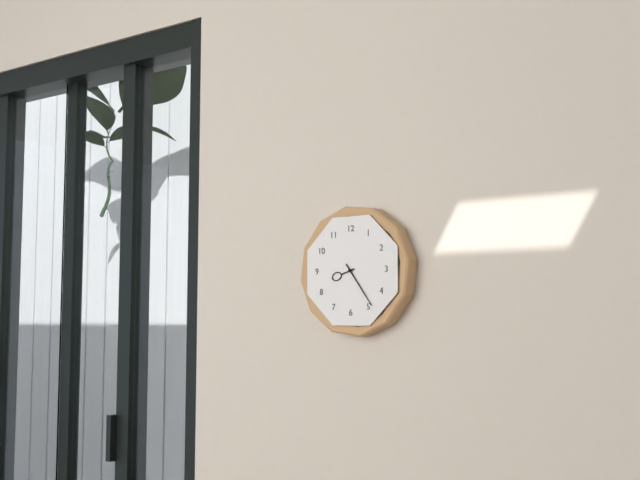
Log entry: 8:24
